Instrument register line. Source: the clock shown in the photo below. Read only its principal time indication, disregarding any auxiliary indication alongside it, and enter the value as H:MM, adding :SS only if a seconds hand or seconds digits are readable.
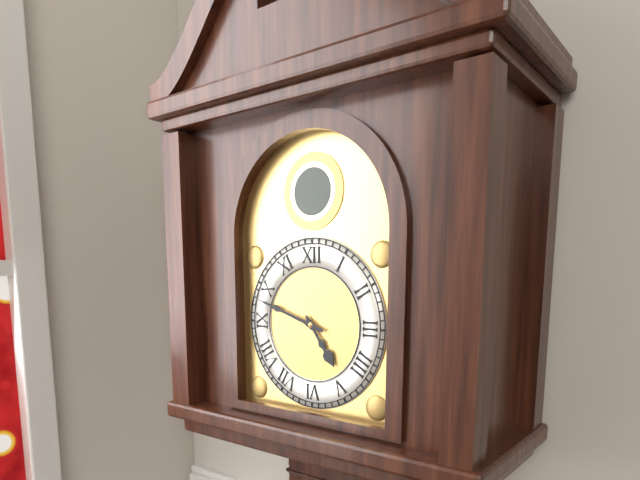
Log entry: 4:48
